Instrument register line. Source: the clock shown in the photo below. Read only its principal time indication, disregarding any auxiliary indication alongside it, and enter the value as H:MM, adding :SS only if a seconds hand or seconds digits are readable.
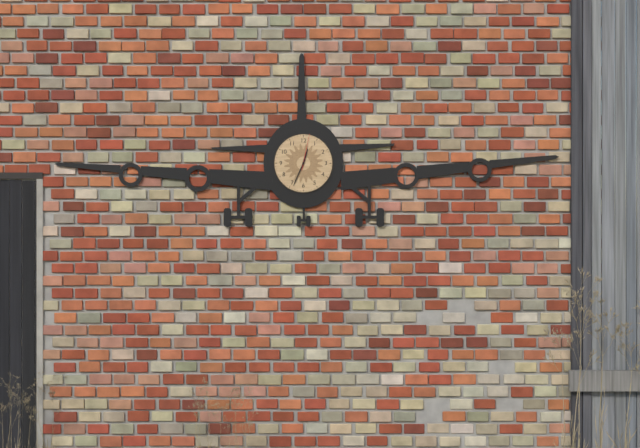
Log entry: 12:34
